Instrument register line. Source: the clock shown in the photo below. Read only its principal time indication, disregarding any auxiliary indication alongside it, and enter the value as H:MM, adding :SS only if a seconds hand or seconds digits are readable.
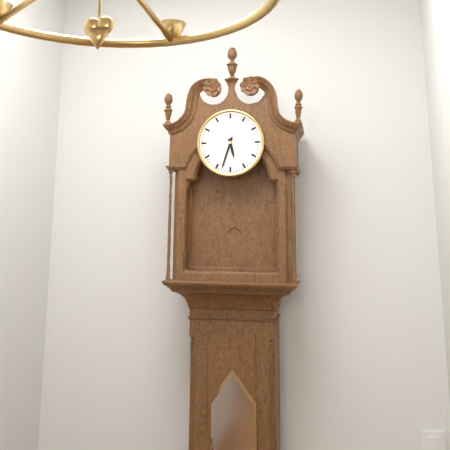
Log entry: 5:33
